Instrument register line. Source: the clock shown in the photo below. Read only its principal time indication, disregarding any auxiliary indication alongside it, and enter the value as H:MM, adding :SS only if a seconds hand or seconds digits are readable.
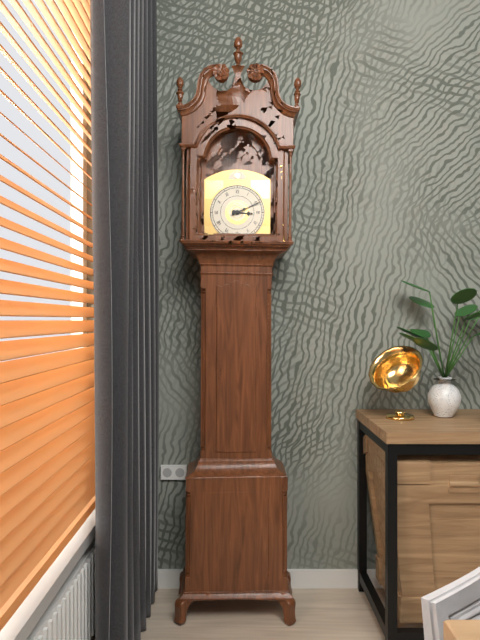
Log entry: 3:11
